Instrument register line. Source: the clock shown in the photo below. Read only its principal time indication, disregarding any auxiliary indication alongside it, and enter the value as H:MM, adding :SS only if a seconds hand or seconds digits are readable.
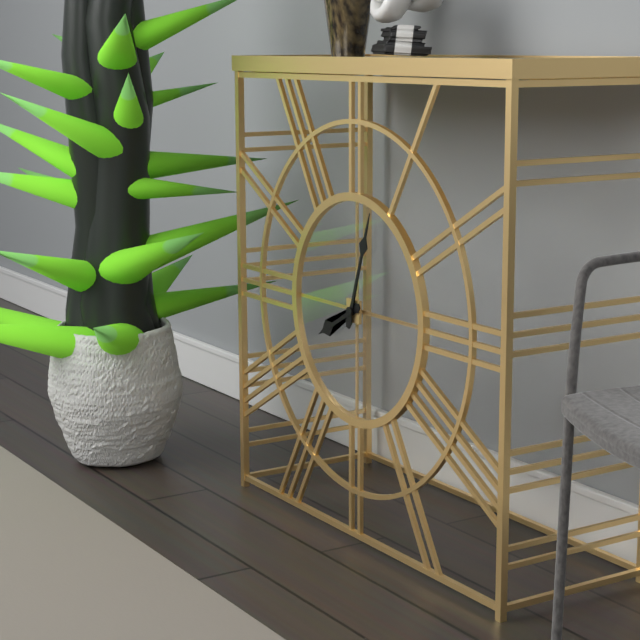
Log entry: 8:03
